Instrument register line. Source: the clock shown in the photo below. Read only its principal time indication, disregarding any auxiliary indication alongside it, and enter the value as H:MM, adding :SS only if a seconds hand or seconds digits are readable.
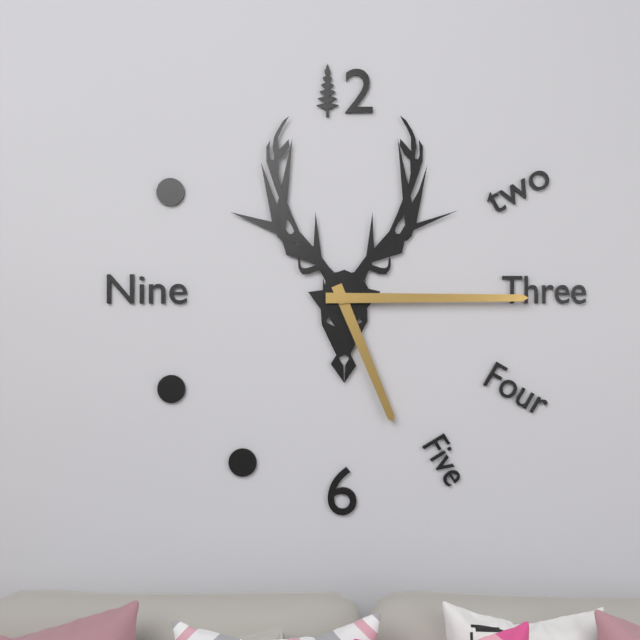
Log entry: 5:15
